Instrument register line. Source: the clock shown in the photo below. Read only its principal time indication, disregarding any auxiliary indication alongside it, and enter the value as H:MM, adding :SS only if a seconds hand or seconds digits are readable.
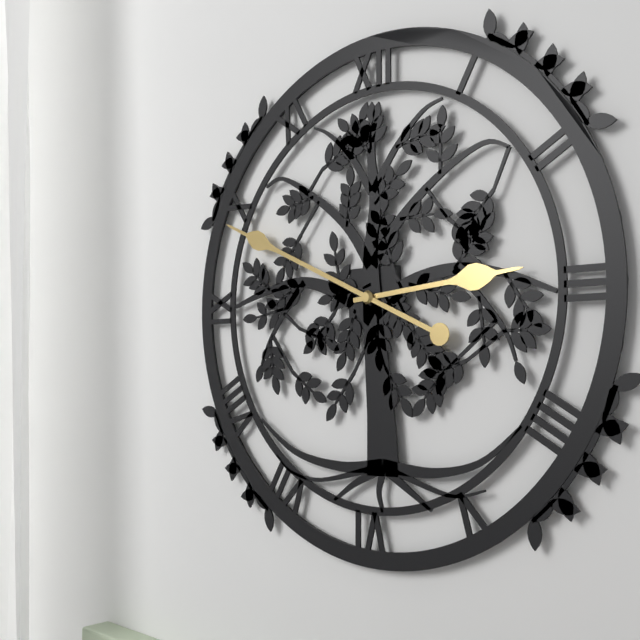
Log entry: 2:49
